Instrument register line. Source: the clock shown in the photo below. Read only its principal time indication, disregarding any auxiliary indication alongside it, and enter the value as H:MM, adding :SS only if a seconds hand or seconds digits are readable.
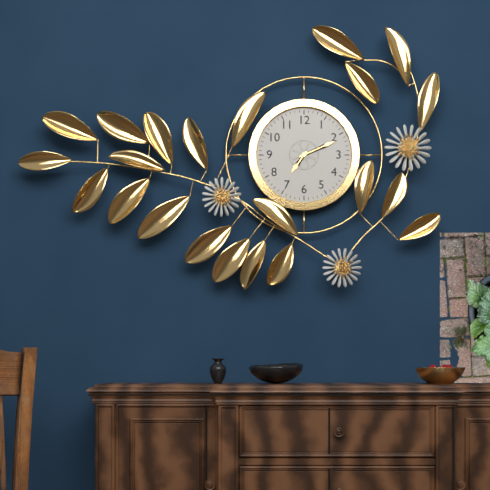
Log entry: 7:11
